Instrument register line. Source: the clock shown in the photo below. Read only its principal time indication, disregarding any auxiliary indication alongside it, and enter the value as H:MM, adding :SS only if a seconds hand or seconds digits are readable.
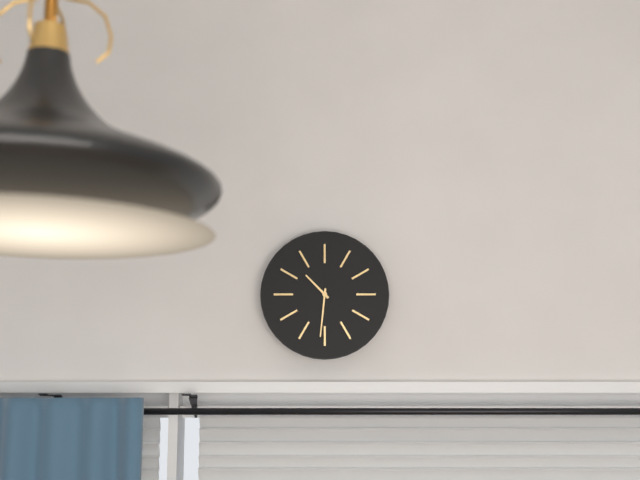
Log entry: 10:31
